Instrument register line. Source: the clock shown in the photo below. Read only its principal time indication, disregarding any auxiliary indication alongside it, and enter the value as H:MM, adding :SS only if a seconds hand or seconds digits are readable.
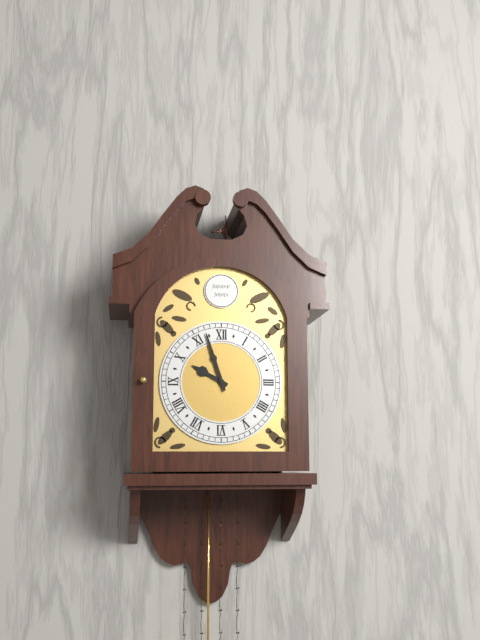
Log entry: 9:57
